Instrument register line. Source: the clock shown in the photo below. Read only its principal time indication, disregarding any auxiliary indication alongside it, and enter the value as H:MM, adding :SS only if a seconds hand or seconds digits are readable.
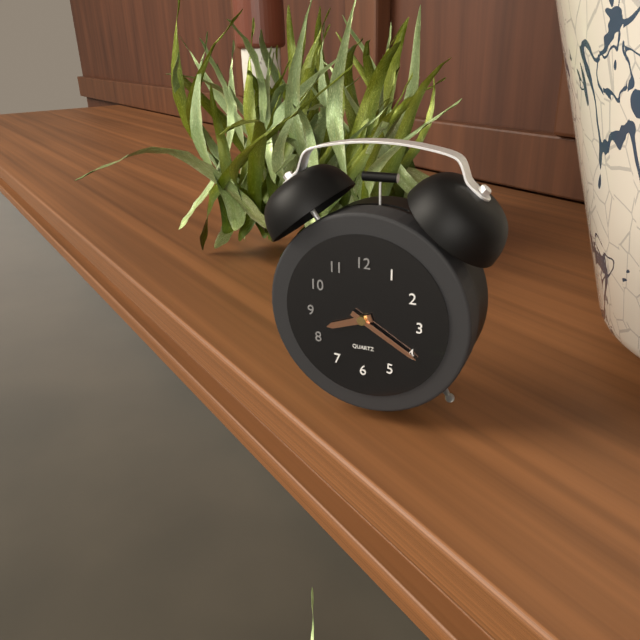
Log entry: 8:20
